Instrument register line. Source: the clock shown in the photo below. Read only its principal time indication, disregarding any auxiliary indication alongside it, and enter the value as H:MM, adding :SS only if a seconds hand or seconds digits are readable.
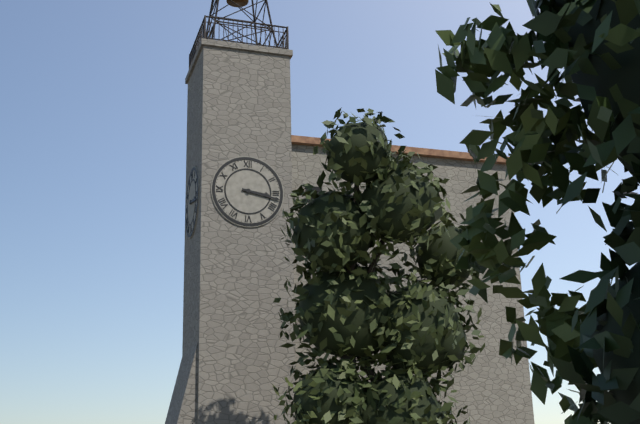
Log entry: 3:17
